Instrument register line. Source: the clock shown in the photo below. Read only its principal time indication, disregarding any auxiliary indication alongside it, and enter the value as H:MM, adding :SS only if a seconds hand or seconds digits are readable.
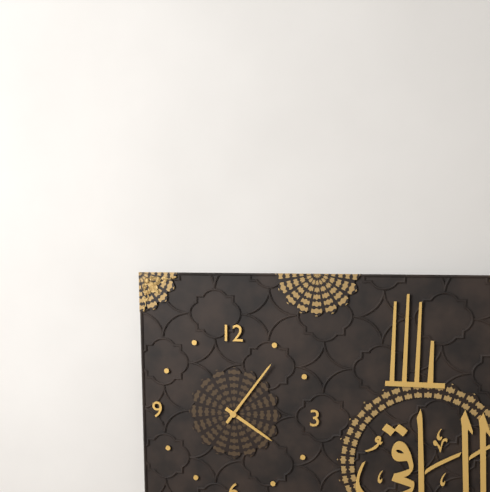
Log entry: 4:06
